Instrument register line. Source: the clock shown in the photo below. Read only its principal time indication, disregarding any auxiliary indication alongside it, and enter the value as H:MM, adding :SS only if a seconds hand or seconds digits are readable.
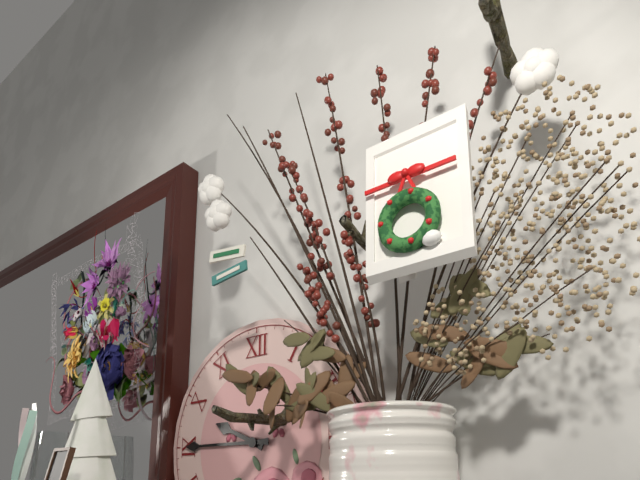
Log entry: 9:45
